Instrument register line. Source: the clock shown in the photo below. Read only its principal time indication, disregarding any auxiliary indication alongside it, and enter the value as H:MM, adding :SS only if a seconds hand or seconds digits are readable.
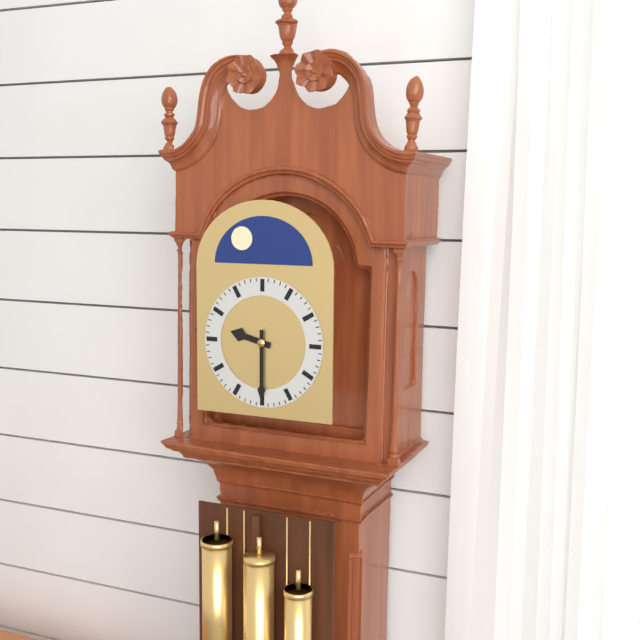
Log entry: 9:30
